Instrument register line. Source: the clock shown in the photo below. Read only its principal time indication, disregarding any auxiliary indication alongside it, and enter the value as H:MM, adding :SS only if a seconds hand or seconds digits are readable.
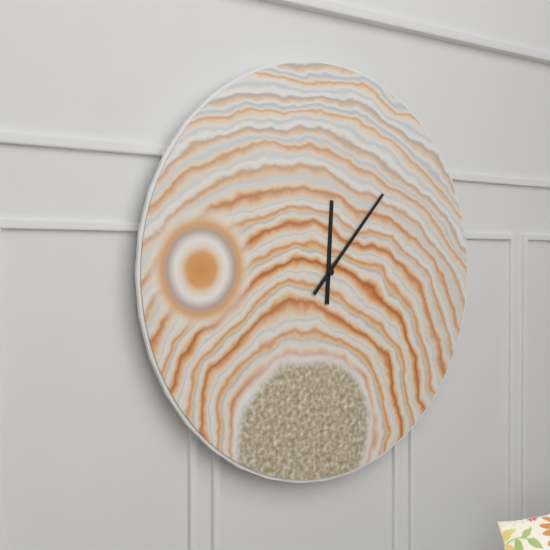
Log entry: 12:07
